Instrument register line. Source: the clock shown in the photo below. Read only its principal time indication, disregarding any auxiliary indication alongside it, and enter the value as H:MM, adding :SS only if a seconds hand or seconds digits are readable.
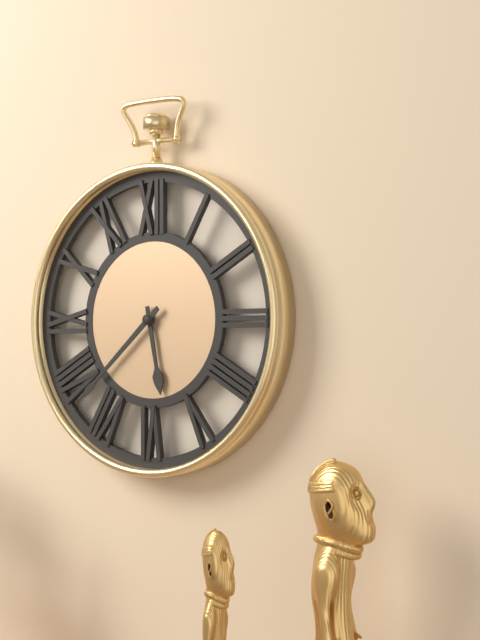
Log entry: 5:38
